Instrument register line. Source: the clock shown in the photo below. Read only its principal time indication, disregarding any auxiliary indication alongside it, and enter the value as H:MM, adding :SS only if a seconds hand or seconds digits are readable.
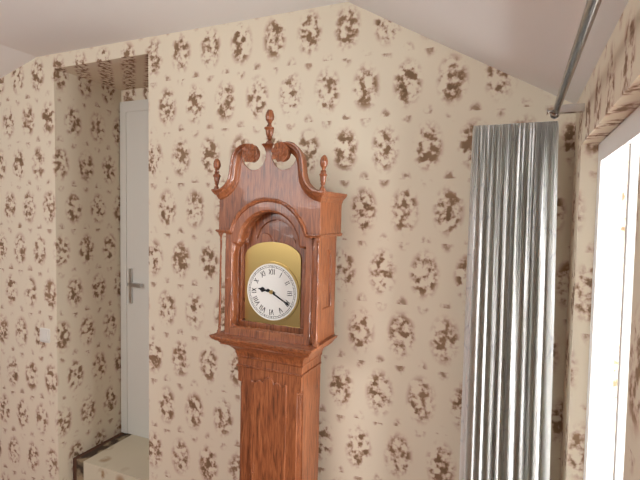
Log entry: 9:20
